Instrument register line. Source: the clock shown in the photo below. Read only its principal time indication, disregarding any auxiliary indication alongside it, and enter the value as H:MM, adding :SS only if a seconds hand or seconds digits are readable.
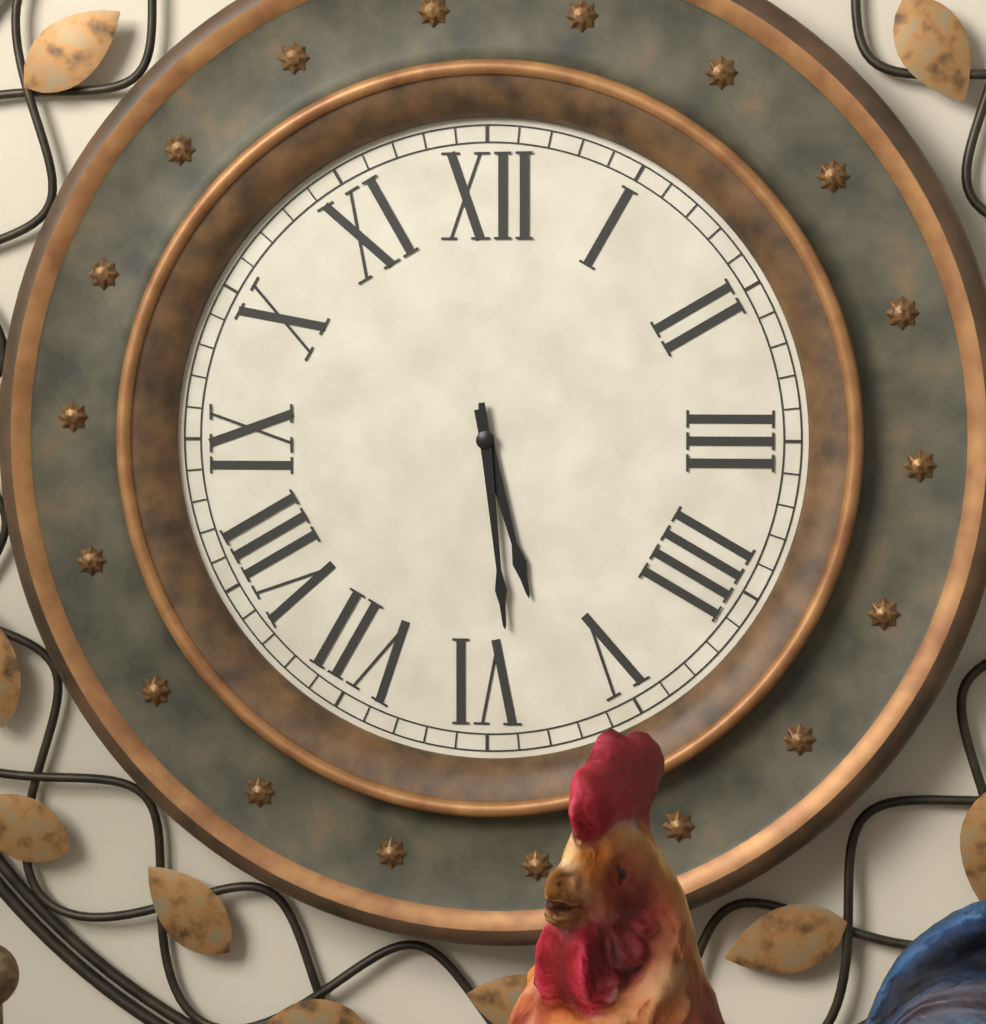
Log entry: 5:29
